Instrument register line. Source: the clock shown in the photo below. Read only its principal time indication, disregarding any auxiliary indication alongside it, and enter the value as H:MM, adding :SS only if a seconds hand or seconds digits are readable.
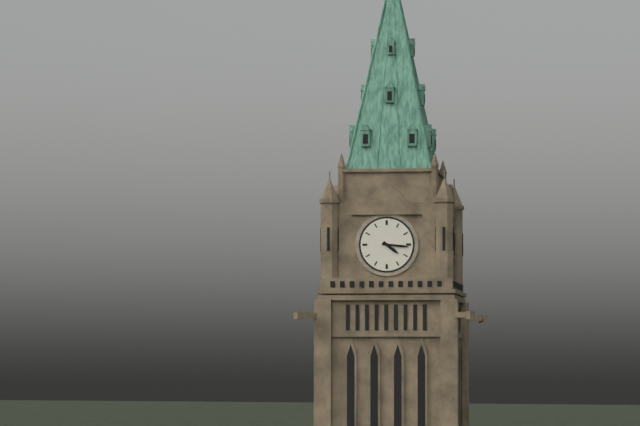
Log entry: 4:16
